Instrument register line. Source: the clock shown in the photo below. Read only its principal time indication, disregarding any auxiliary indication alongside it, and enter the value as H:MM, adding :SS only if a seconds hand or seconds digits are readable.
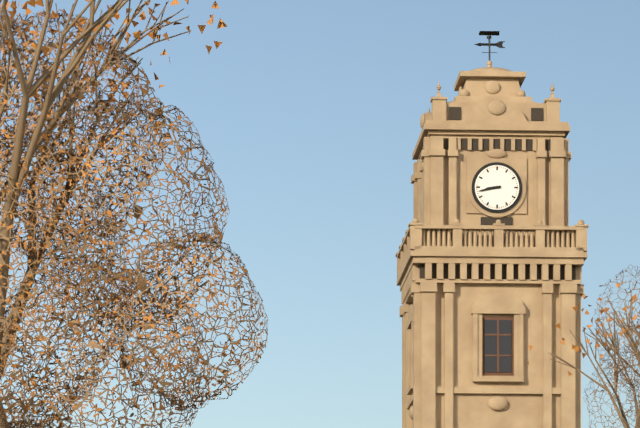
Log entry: 8:43
